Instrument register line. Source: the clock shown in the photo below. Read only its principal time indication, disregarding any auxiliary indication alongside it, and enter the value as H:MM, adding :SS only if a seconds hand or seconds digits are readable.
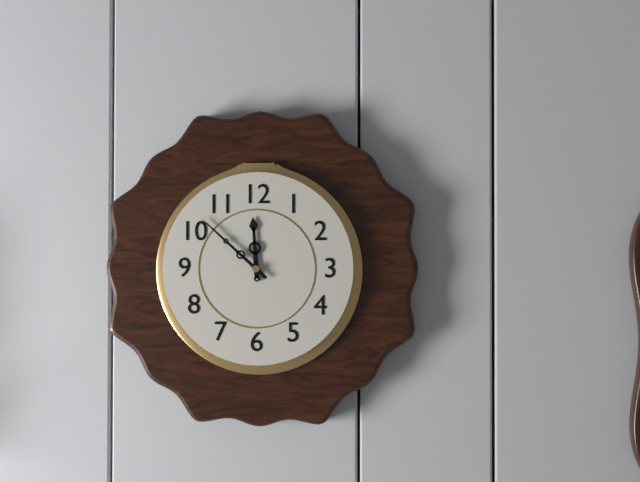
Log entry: 11:52
